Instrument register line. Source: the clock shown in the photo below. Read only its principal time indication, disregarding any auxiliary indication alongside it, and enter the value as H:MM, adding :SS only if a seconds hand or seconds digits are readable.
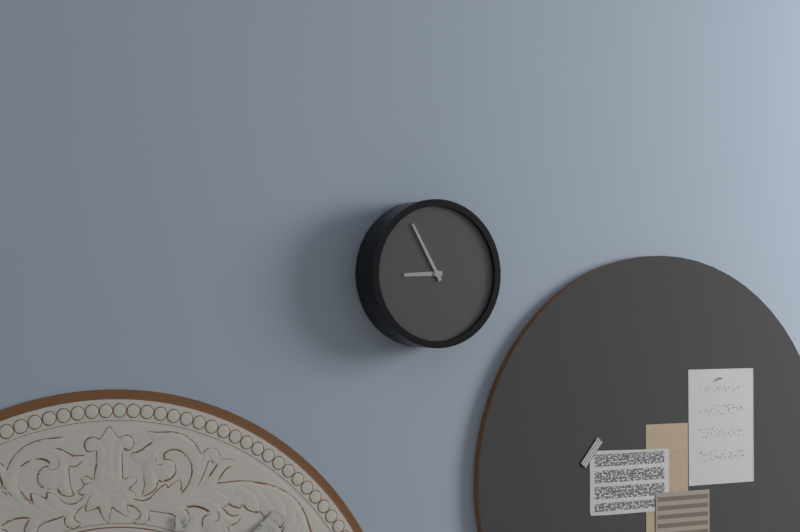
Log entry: 8:55
